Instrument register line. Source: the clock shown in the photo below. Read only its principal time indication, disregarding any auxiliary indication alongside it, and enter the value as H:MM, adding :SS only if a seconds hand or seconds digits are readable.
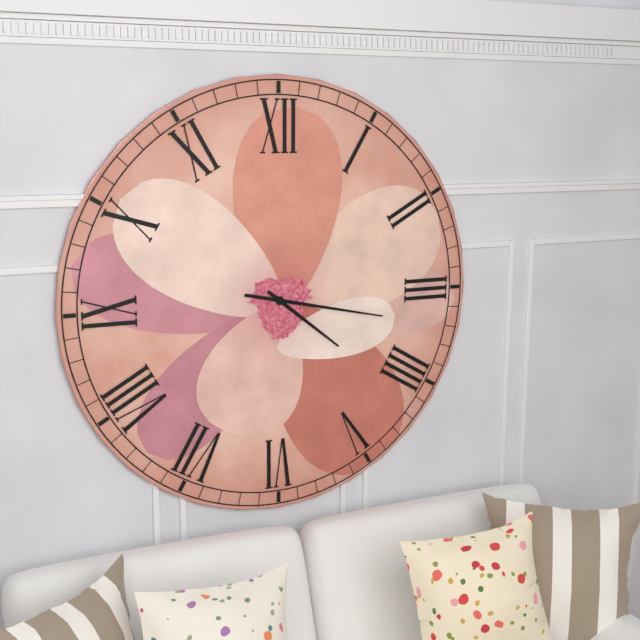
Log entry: 4:17
